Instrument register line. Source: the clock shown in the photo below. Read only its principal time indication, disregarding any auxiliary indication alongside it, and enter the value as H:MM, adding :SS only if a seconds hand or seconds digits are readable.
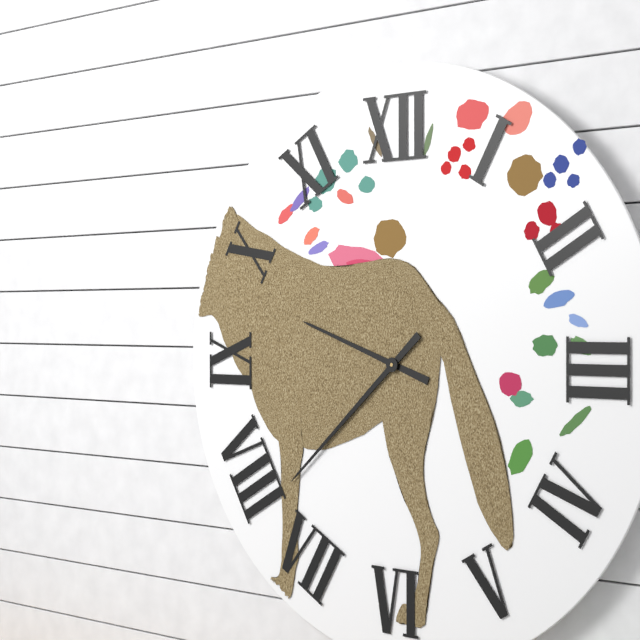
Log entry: 9:38
